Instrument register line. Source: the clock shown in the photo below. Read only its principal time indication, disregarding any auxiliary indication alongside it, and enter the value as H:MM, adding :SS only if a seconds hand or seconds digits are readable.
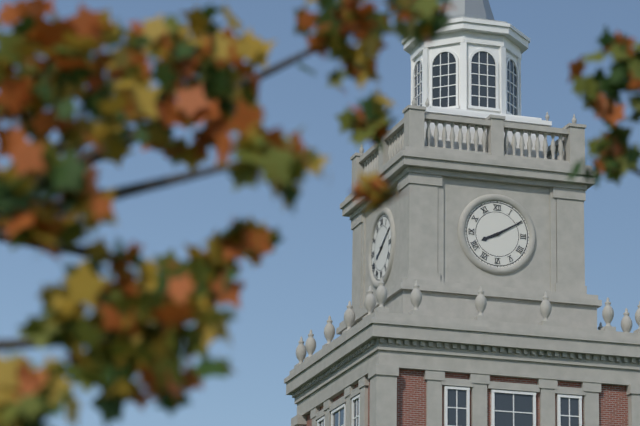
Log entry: 8:10
